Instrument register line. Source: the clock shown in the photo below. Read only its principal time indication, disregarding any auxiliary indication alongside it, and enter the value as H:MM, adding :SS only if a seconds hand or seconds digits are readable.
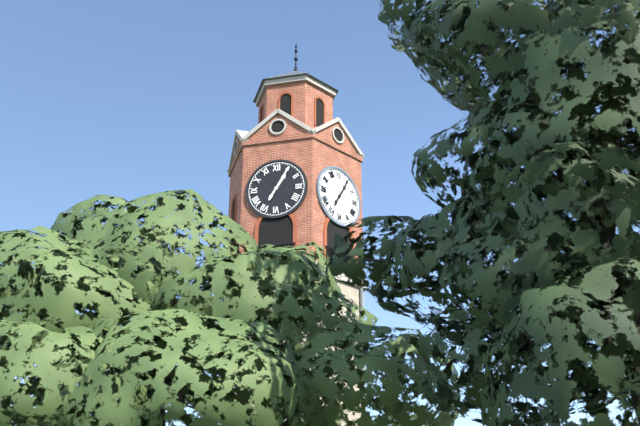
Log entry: 1:05
